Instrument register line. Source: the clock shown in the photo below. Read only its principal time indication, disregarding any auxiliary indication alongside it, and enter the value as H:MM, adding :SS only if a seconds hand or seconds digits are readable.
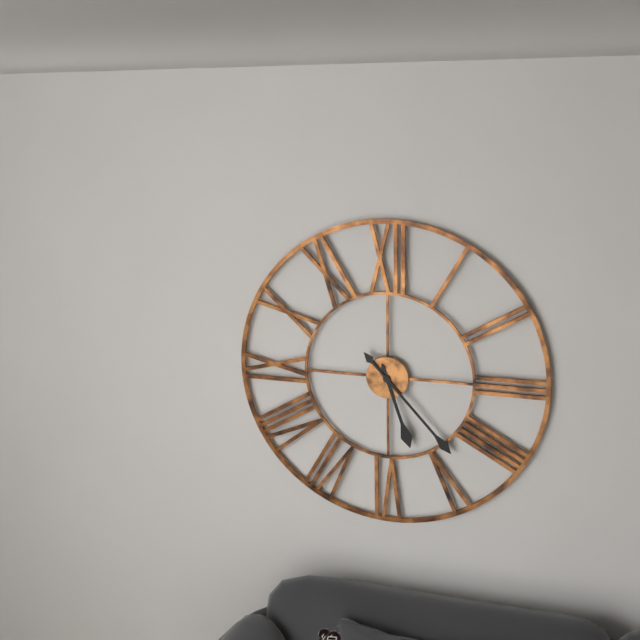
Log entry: 5:23
